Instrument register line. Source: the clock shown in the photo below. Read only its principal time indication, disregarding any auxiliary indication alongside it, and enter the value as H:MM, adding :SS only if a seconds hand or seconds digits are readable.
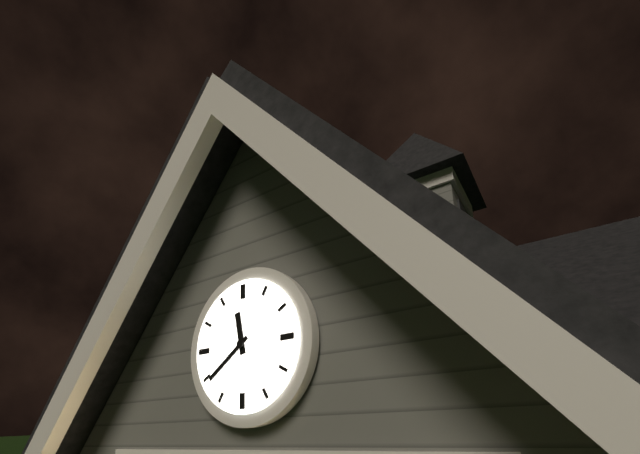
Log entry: 11:39
